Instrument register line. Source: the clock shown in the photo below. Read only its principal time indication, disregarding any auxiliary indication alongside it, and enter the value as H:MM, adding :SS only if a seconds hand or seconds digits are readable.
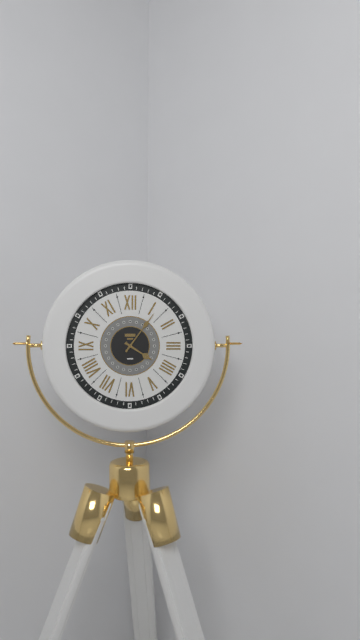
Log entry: 4:06
